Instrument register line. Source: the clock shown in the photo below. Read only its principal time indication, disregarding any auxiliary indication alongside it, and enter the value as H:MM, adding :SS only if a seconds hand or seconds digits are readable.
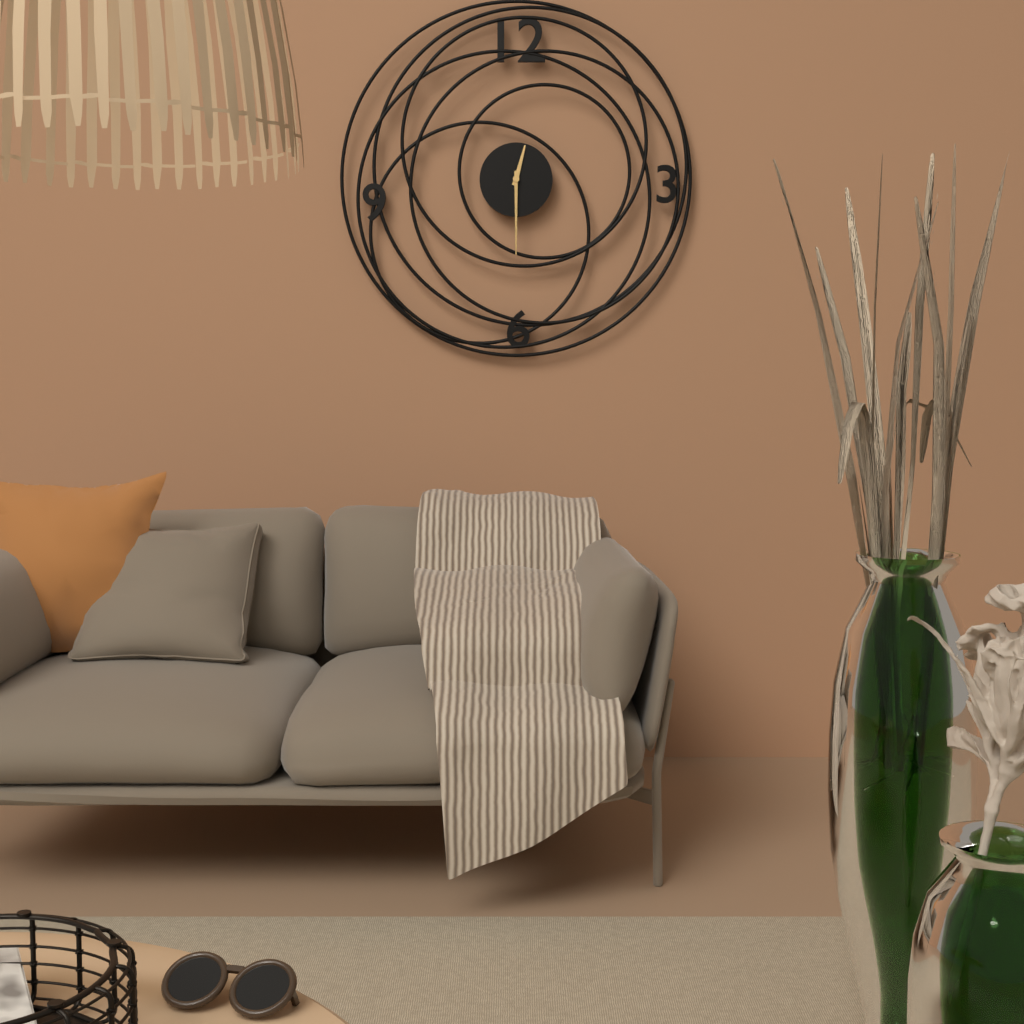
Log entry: 12:30
